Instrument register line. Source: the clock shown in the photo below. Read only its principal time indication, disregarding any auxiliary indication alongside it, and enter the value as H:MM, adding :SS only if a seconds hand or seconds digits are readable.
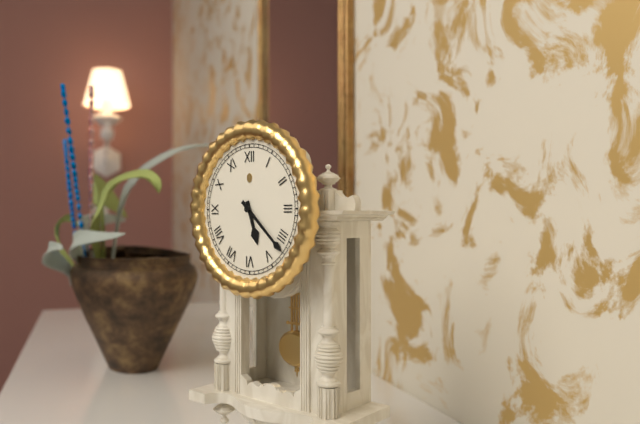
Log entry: 5:22
